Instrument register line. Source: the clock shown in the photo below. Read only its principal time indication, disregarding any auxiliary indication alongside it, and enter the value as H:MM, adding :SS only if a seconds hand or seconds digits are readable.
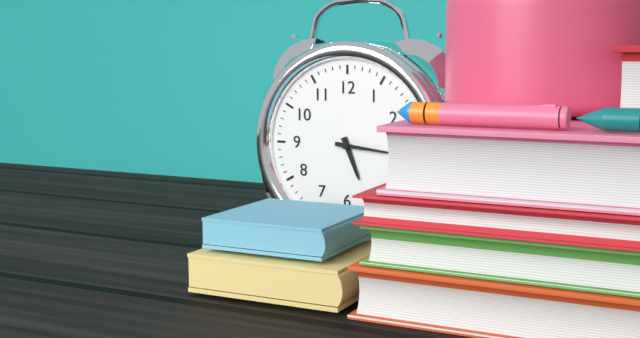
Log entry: 5:16
